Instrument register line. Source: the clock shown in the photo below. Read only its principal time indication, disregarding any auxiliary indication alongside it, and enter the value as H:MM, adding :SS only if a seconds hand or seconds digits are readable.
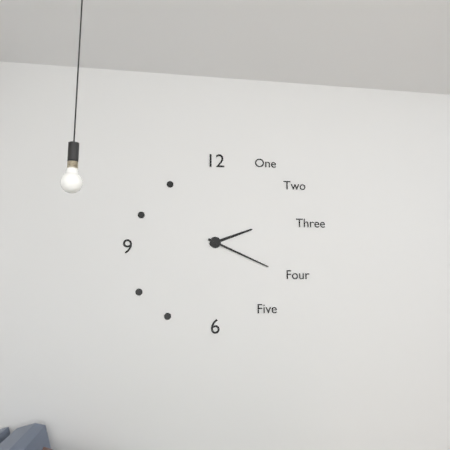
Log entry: 2:19
